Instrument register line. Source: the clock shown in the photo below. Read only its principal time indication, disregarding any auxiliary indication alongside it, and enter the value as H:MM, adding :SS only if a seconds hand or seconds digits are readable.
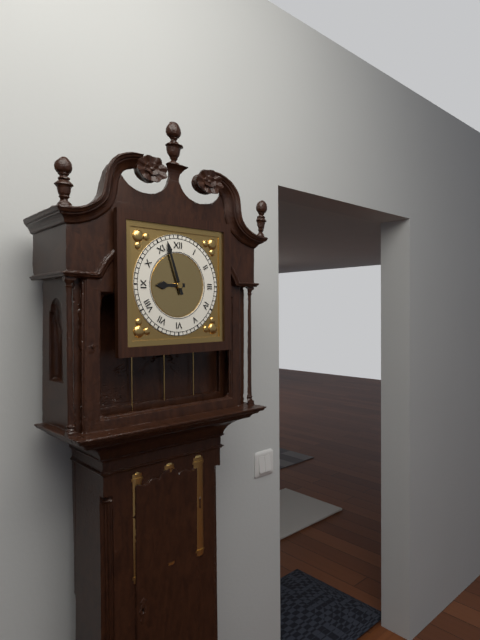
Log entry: 8:57
